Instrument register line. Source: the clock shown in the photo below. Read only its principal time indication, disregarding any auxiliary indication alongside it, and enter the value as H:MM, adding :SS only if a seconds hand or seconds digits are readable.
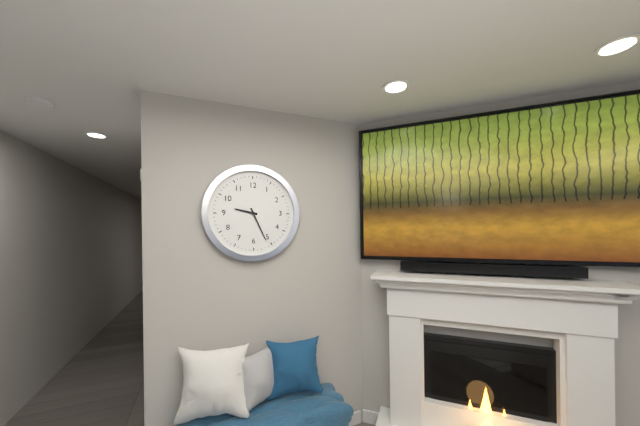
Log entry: 9:26
